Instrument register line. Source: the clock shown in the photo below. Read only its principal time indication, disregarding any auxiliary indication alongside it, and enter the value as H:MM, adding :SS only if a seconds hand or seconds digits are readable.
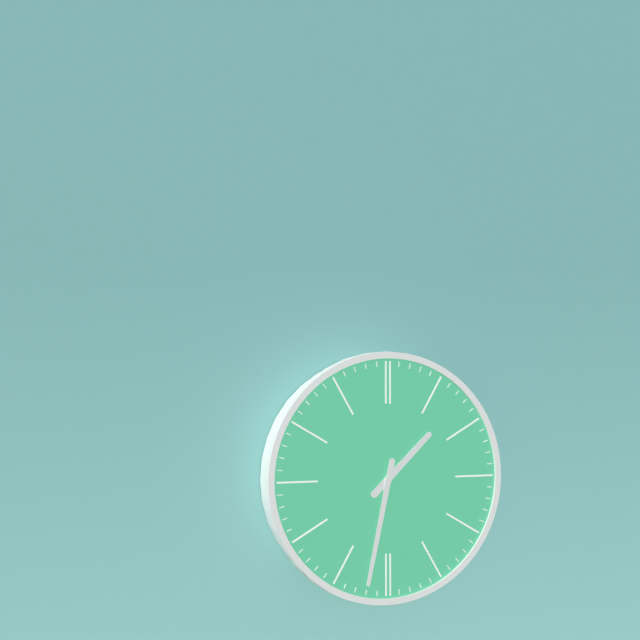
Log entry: 1:32
